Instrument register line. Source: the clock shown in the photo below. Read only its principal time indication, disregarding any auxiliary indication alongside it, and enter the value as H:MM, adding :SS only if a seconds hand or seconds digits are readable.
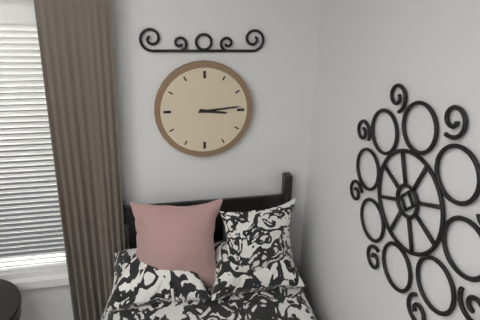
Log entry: 3:14
